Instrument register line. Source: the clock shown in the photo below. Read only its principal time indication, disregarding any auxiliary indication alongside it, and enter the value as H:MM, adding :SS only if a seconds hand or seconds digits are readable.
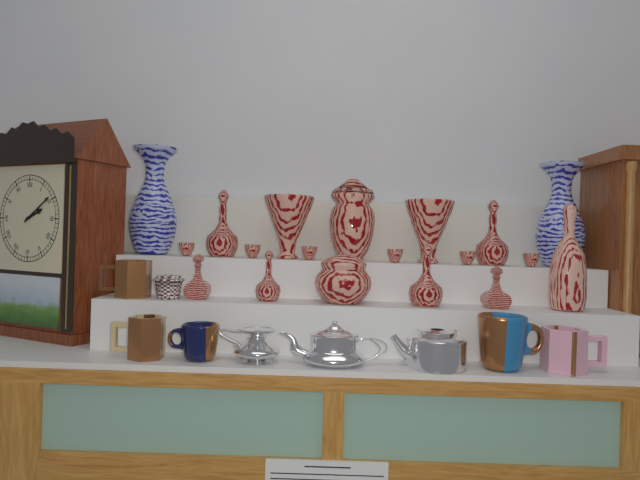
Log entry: 2:09
